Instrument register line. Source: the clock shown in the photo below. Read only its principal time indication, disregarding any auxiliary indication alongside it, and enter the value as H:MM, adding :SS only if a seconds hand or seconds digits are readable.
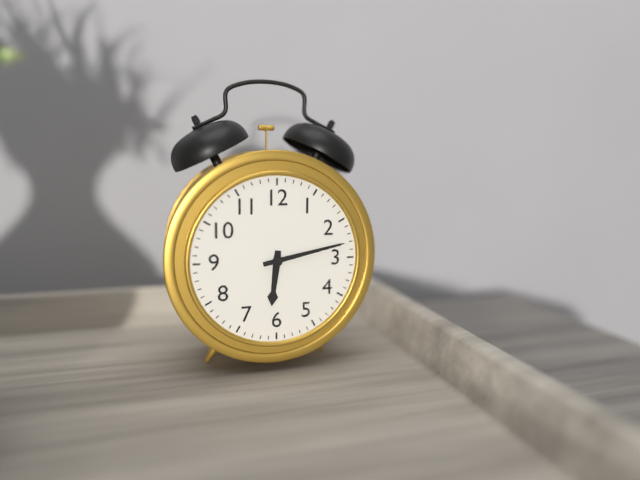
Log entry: 6:13
